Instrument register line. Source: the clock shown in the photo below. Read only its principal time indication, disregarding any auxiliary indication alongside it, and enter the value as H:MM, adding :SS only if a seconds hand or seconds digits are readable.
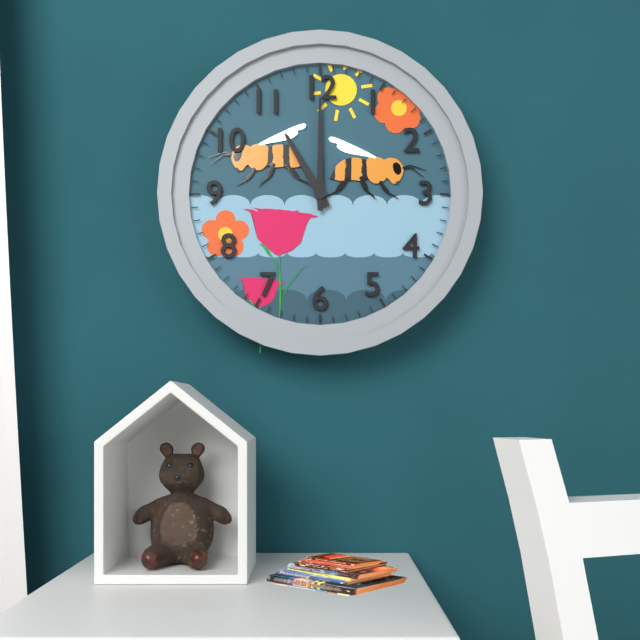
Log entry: 11:00
